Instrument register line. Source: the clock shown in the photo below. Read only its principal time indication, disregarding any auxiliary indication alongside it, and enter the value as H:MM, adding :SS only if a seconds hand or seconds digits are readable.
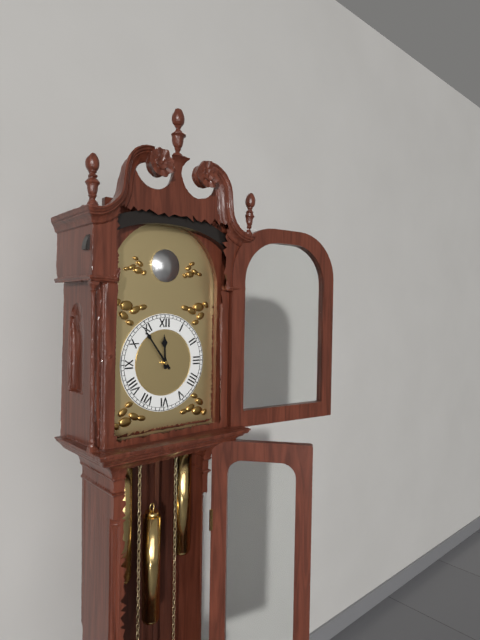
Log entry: 11:54
